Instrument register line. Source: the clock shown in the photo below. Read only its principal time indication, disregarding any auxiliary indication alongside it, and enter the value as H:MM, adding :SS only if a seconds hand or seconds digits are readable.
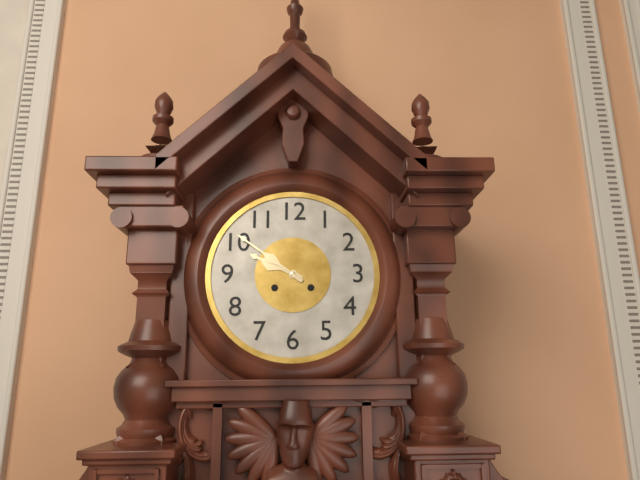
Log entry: 9:51
